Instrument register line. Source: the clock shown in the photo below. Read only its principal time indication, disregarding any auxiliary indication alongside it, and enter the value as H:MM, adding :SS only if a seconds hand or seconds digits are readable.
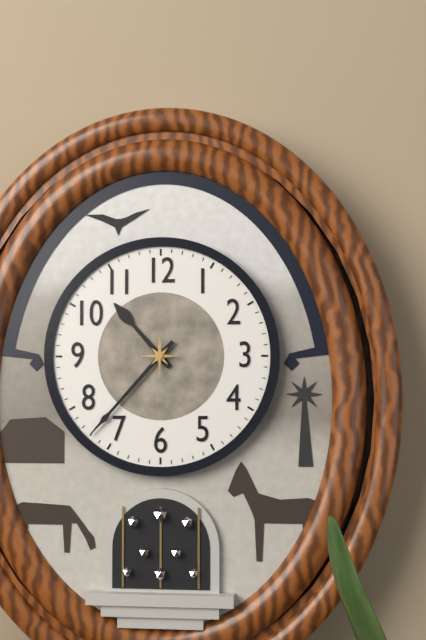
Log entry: 10:37
